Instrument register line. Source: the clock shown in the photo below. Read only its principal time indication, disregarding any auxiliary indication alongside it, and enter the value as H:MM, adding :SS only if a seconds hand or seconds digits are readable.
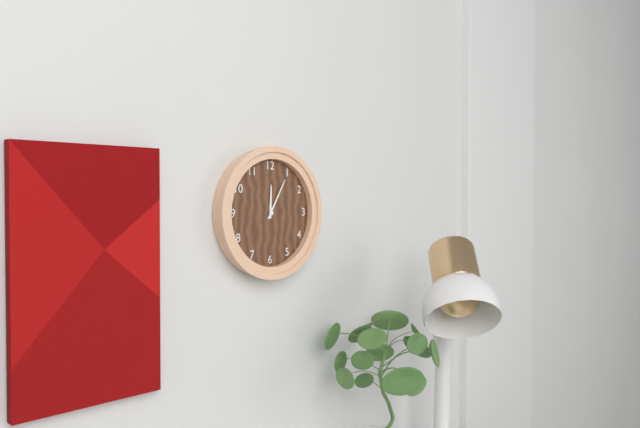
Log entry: 12:05
